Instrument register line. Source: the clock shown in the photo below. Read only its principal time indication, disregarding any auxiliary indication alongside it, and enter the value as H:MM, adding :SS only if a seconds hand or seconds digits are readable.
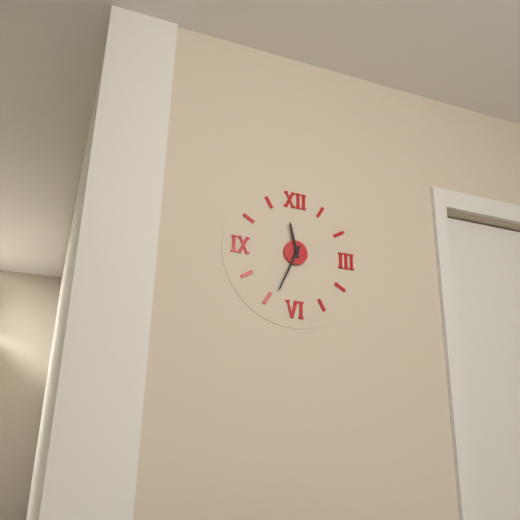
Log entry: 11:34
